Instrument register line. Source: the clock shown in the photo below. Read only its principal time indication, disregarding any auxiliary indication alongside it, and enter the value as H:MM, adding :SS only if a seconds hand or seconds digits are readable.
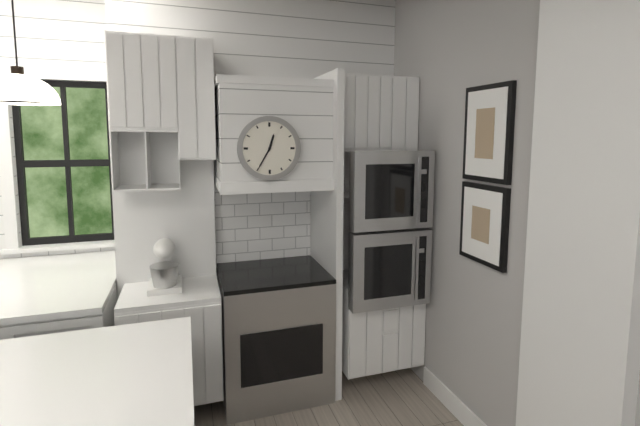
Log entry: 12:35
